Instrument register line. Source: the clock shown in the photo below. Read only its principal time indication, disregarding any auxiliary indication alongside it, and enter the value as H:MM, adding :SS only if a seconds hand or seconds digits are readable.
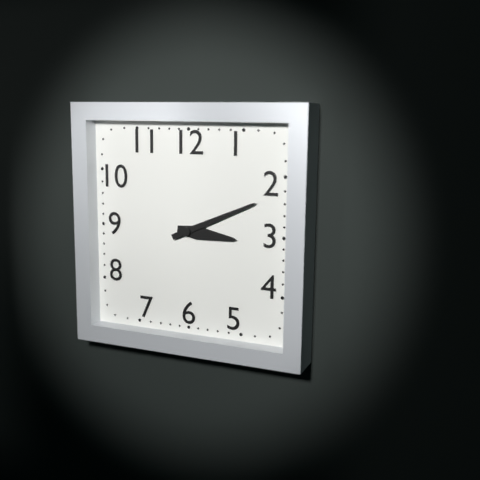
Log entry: 3:11
